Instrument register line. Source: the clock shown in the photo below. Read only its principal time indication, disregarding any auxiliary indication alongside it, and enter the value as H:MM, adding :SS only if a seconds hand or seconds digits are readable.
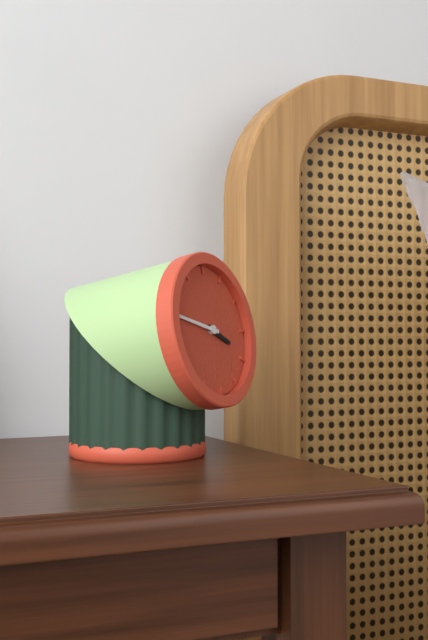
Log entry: 3:47
